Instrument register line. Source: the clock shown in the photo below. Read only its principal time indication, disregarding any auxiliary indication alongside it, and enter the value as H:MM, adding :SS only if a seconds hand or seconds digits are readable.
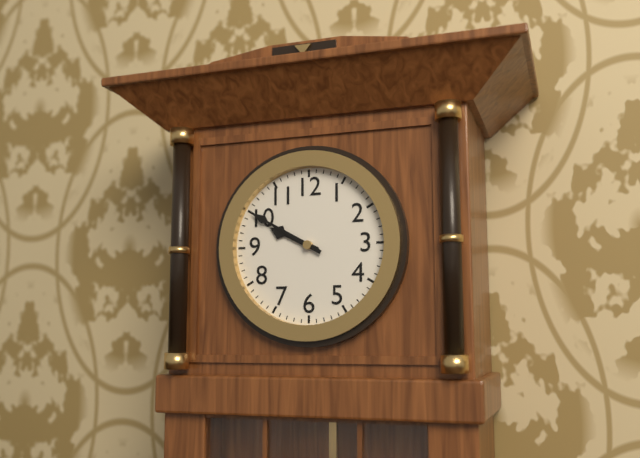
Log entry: 9:50
